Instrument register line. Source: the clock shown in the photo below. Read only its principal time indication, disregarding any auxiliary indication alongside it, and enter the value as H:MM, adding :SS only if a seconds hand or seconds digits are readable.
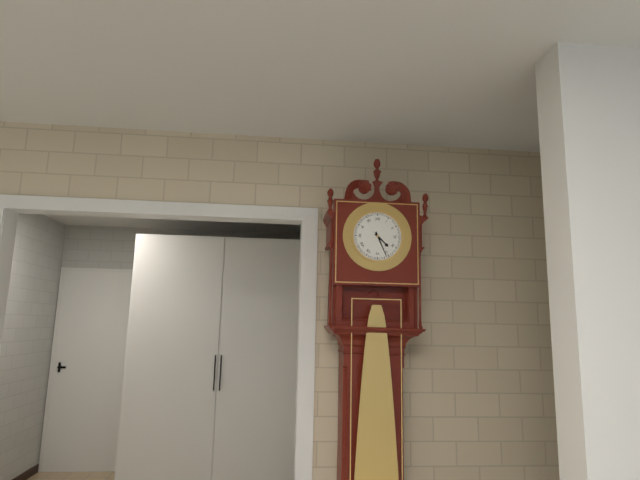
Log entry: 4:26
